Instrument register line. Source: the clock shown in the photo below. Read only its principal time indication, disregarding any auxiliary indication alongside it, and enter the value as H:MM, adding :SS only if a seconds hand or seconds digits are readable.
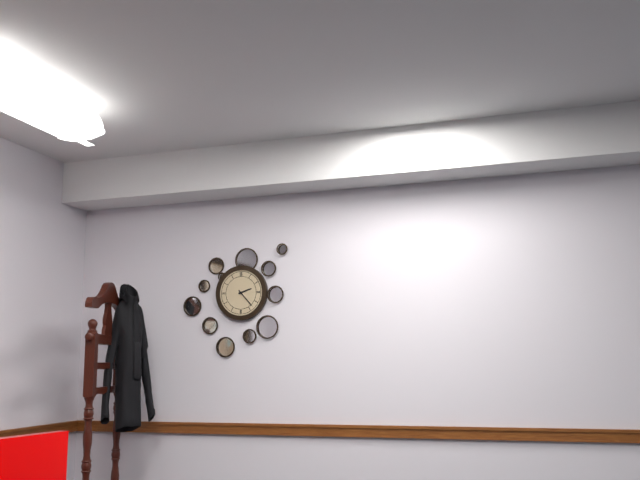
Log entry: 2:23
